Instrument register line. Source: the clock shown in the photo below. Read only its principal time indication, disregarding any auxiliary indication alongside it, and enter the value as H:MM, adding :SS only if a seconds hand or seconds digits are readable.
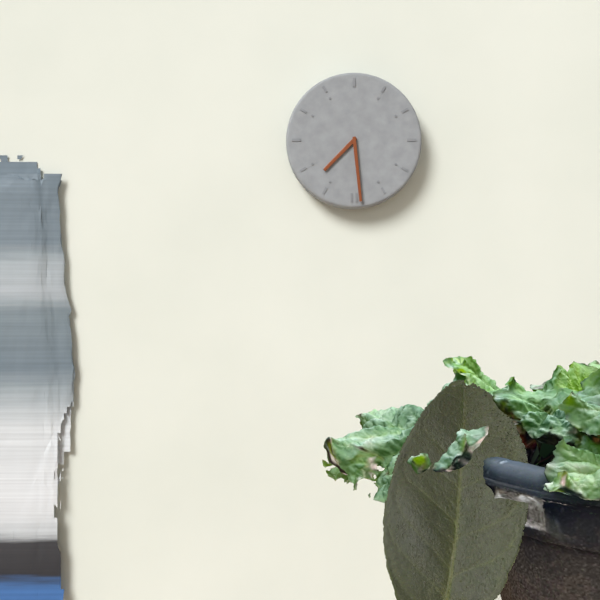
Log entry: 7:29
